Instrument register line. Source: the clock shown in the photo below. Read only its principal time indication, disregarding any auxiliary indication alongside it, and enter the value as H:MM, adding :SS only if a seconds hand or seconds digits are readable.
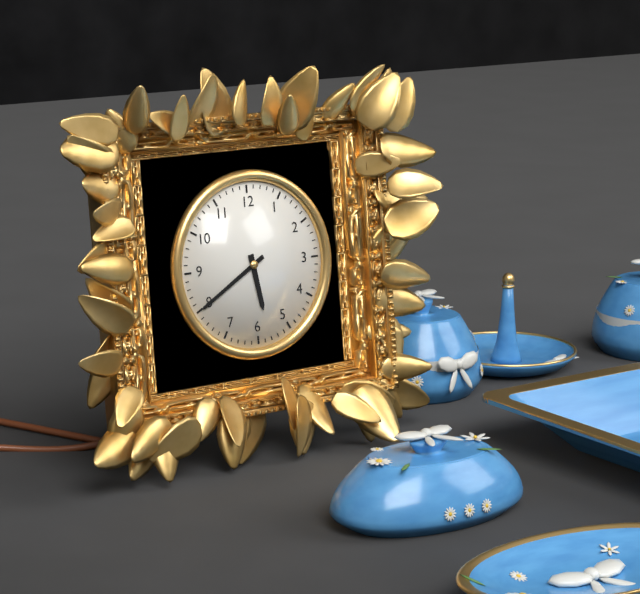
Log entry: 5:40
